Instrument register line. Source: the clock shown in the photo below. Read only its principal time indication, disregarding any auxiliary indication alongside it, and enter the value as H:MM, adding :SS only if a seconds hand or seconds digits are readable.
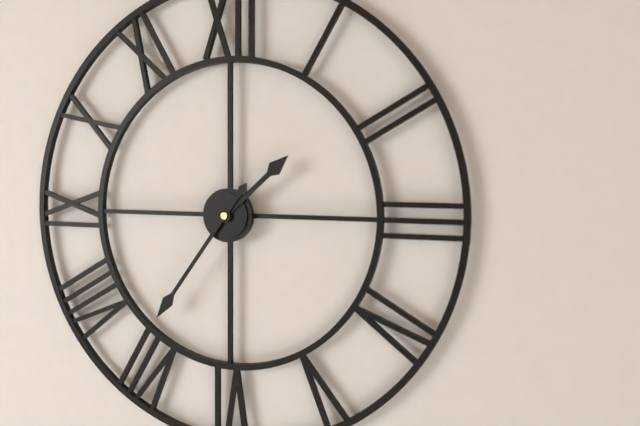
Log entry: 1:36
